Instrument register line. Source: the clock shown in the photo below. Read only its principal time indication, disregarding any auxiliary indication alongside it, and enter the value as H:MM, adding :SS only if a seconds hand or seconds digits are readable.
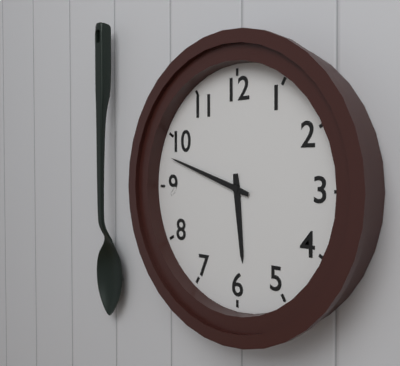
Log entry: 5:48
